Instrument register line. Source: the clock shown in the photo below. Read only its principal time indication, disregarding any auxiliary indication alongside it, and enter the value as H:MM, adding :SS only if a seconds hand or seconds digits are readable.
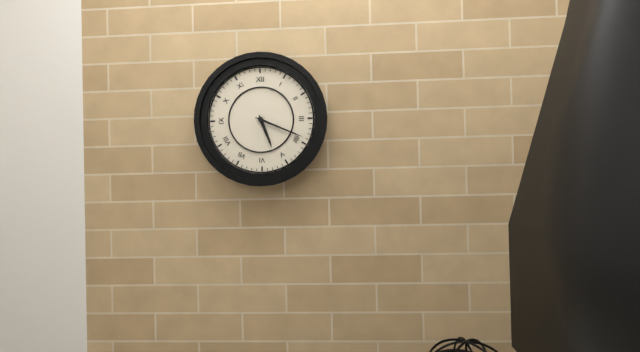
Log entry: 5:19
